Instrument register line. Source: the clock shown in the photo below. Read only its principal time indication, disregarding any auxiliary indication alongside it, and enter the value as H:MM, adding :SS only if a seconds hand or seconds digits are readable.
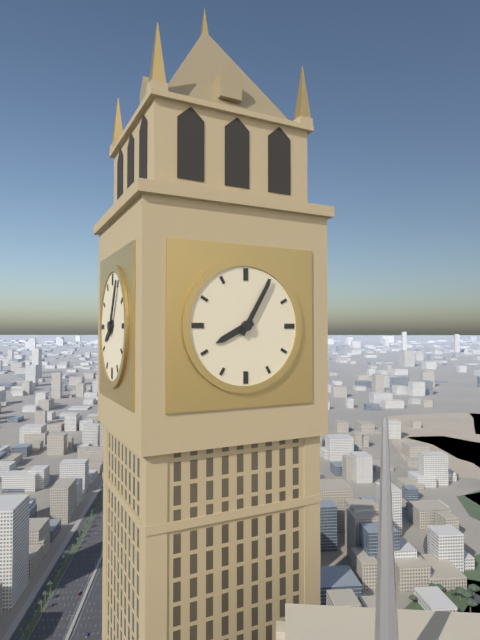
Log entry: 8:05
